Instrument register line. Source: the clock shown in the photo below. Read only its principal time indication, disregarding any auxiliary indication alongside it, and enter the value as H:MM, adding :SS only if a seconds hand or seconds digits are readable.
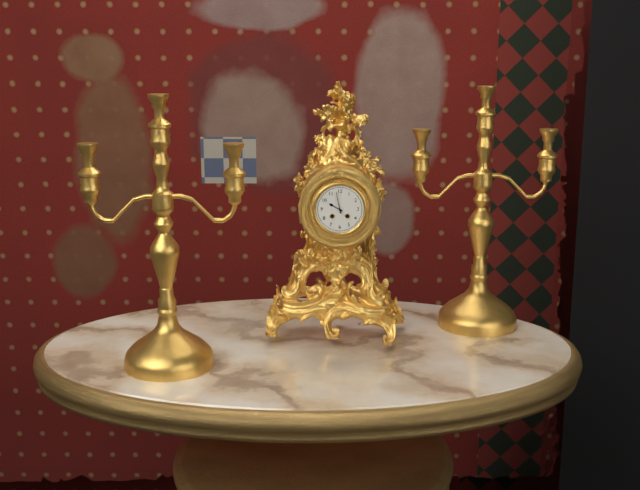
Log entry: 9:58
